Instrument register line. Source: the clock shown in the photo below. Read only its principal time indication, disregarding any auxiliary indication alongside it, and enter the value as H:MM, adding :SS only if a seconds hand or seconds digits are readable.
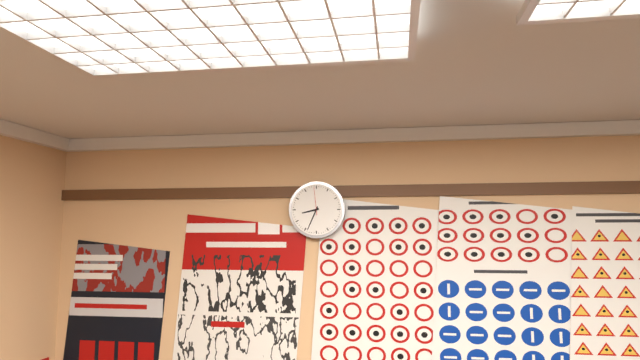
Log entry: 8:34
